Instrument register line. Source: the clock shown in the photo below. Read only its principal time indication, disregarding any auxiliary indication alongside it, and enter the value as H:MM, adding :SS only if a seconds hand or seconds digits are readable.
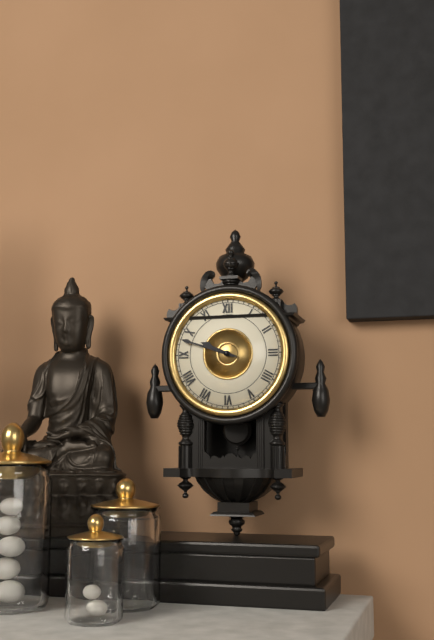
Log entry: 9:48
